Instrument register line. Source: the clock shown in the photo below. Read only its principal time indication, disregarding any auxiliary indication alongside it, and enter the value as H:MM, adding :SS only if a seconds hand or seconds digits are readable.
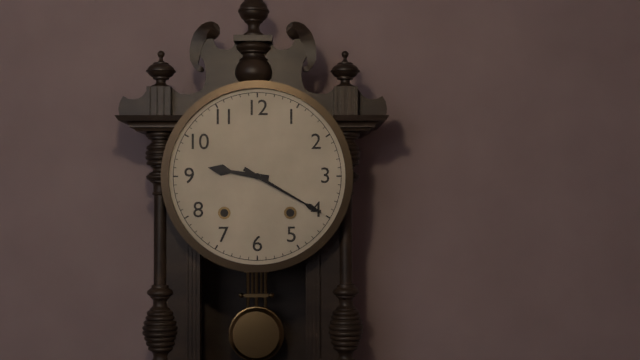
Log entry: 9:20
